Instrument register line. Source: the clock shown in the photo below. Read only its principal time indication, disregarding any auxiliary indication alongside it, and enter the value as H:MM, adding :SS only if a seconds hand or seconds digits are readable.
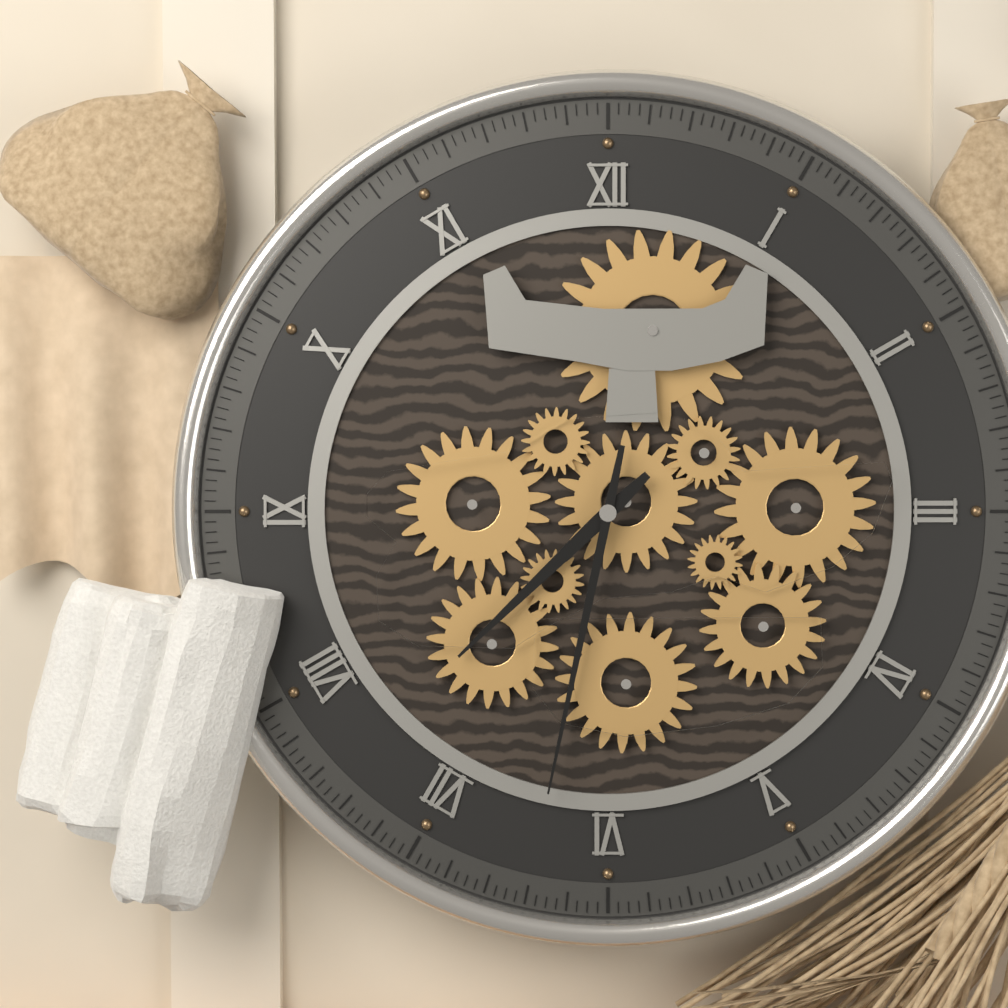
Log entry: 7:32
